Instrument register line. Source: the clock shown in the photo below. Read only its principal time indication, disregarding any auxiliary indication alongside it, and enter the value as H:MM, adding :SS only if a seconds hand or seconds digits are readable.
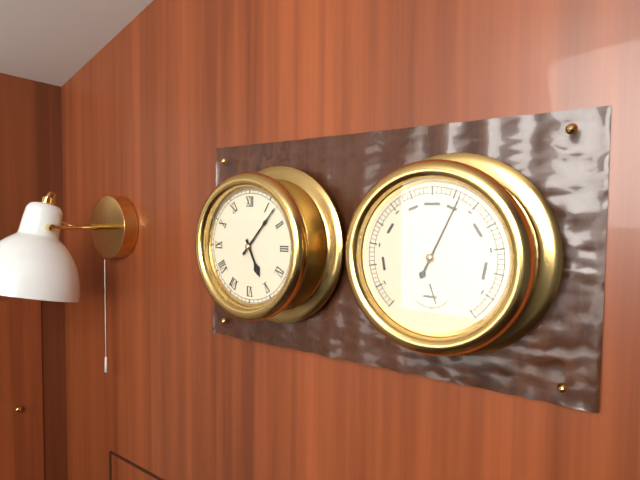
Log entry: 5:07
